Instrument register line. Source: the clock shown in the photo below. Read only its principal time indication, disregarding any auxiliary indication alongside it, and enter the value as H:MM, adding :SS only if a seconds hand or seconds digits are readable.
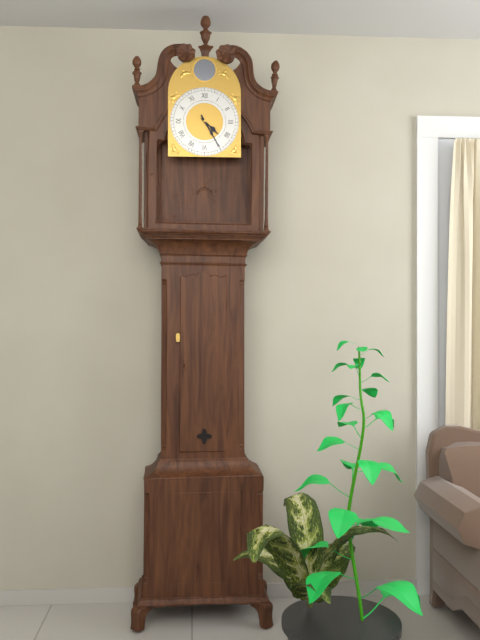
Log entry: 4:25
